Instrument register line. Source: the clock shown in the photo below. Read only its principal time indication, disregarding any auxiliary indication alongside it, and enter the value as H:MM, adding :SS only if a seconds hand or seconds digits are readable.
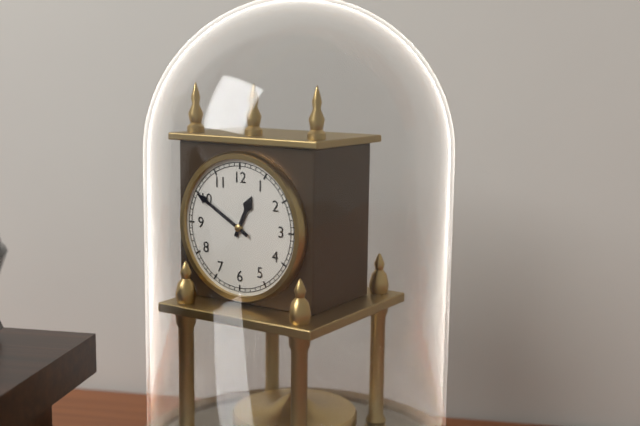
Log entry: 12:50
